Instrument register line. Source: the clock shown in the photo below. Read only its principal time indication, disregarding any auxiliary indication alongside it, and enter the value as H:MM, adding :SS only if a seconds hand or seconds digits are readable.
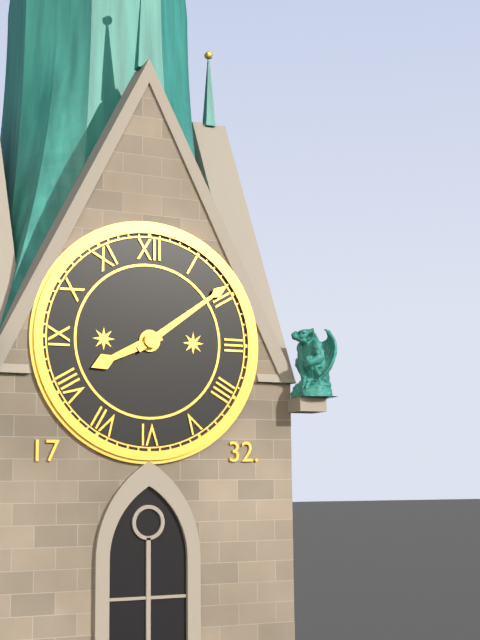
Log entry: 8:09
